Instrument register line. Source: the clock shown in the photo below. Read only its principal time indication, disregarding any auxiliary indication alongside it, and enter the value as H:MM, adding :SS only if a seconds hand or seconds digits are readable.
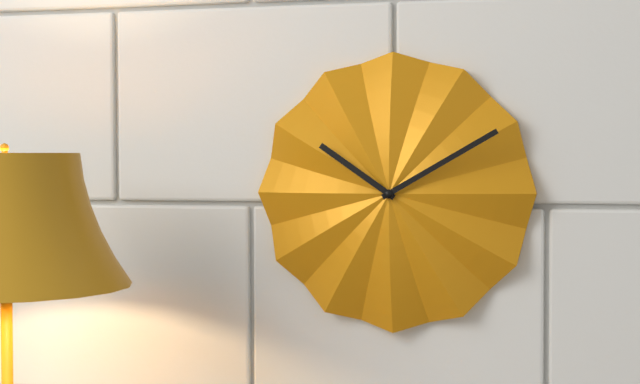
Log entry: 10:10
